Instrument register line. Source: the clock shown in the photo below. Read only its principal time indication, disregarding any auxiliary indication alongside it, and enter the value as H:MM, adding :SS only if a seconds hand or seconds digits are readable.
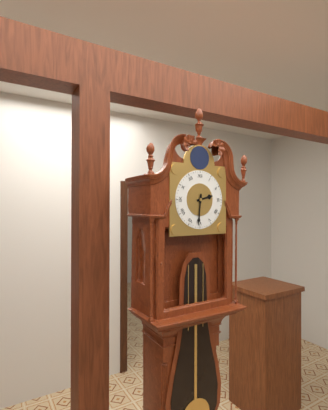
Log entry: 2:31
